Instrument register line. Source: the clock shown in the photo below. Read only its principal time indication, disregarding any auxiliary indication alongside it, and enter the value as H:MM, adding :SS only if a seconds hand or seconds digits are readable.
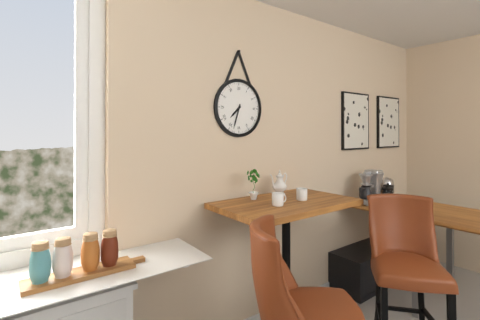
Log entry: 7:33
